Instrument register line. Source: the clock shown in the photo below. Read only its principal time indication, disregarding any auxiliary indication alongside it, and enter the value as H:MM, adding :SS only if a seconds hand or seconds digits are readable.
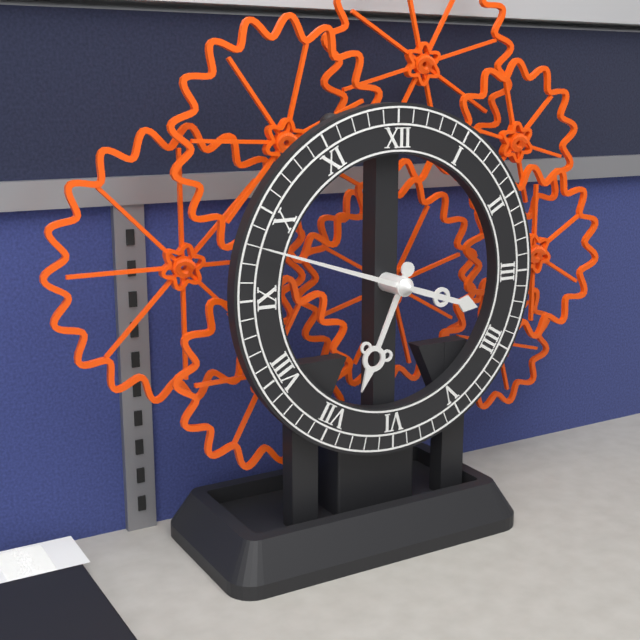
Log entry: 6:48
